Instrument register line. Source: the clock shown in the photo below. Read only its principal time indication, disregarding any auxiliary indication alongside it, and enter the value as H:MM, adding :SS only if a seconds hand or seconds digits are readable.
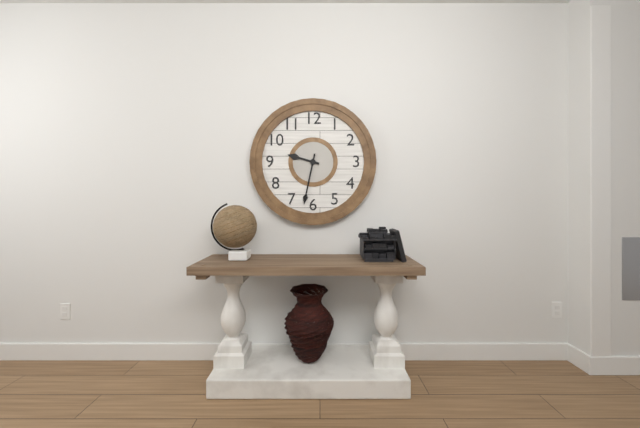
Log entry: 9:32
